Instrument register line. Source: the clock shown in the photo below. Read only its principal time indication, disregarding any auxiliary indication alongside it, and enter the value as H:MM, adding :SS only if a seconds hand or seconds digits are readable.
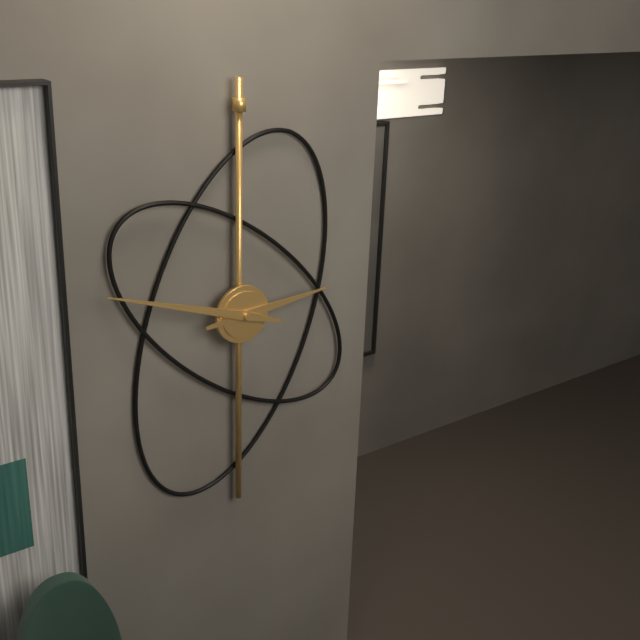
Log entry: 2:48
